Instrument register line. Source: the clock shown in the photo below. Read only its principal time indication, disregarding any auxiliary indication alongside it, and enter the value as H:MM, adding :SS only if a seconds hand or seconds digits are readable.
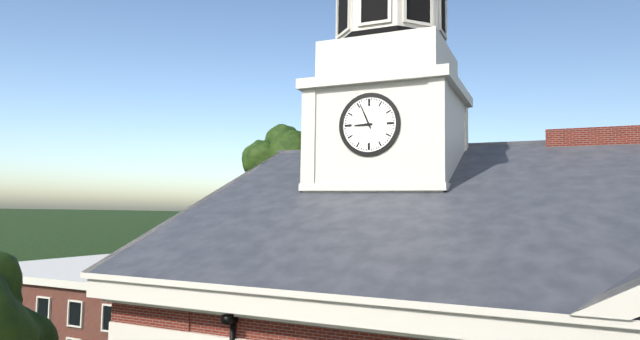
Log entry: 8:56
